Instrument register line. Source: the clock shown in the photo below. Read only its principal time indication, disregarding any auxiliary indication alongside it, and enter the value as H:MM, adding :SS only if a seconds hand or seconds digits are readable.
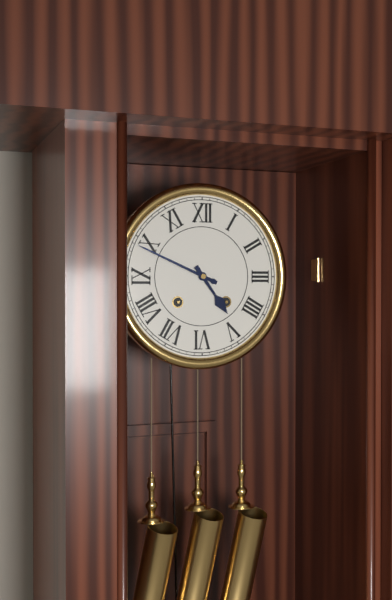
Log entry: 4:49
